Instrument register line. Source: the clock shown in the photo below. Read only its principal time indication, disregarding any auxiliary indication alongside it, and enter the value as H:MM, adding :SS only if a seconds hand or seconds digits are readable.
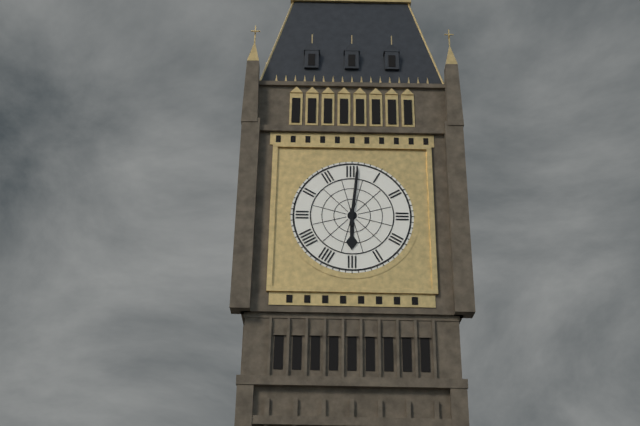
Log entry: 6:01
